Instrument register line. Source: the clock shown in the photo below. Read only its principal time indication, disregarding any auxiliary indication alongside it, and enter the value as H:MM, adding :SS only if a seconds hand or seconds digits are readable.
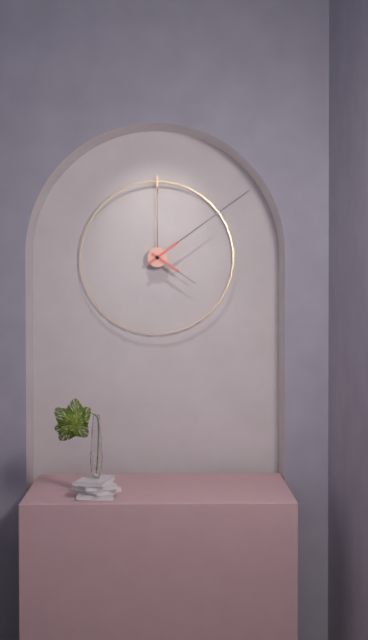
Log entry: 4:09
